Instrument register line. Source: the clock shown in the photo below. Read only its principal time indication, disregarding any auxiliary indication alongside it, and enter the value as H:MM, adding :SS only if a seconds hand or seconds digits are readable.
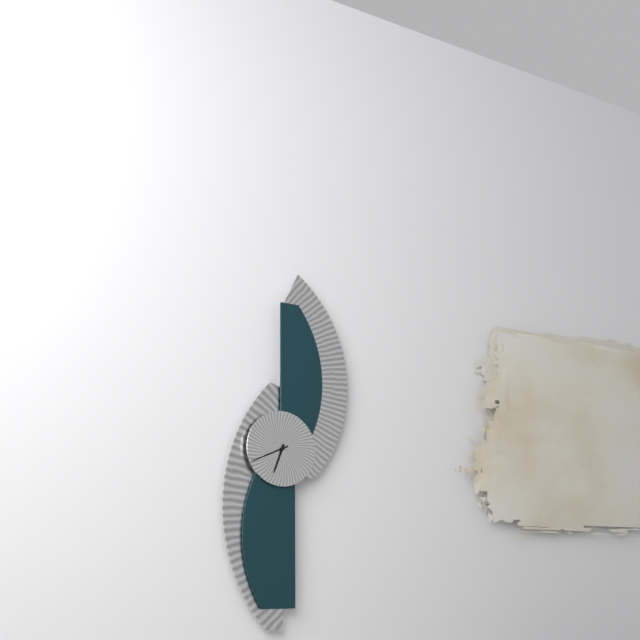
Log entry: 6:41
